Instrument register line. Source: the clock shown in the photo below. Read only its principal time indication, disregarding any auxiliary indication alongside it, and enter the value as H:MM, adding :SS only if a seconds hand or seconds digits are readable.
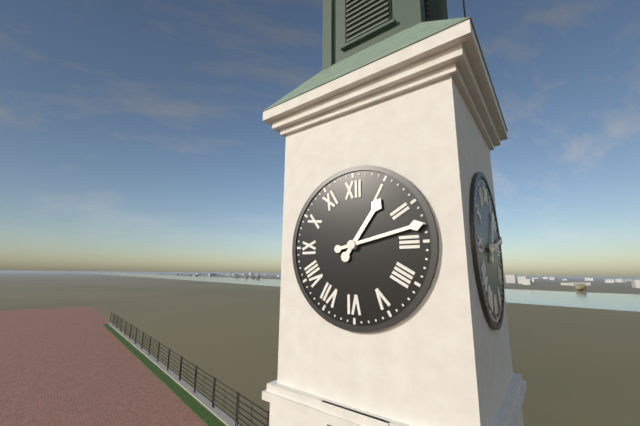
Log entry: 1:13
